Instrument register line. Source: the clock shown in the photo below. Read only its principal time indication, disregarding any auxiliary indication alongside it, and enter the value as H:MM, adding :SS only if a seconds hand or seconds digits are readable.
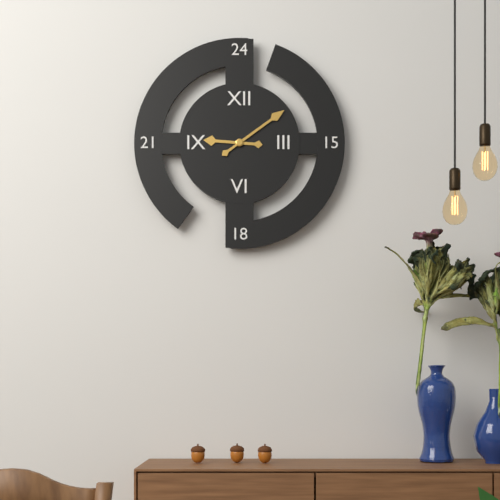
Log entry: 9:09
